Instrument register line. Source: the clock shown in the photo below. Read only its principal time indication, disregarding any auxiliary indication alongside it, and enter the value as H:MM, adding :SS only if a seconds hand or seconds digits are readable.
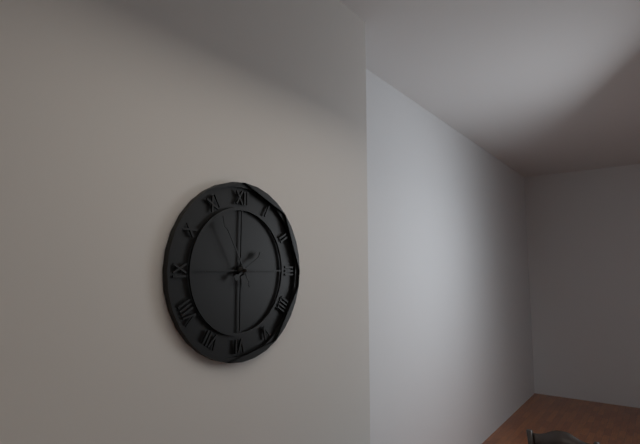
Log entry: 1:55
